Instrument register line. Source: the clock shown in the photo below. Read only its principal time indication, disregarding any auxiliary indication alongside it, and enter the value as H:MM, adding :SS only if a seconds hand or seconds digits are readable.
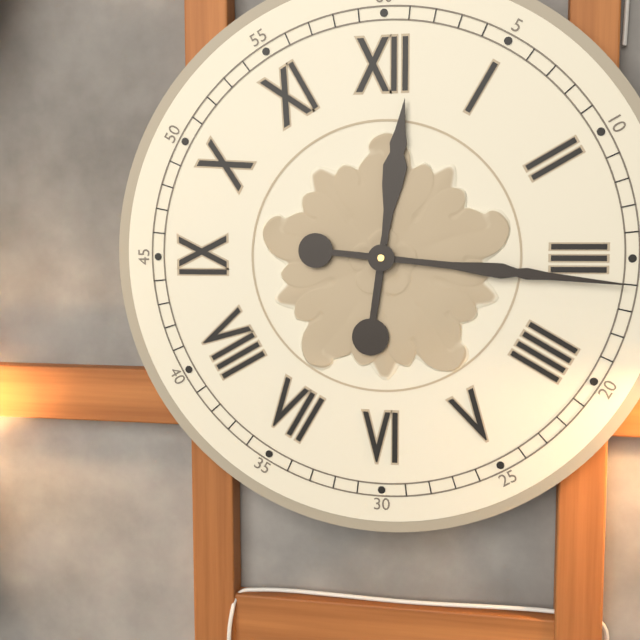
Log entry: 12:16
